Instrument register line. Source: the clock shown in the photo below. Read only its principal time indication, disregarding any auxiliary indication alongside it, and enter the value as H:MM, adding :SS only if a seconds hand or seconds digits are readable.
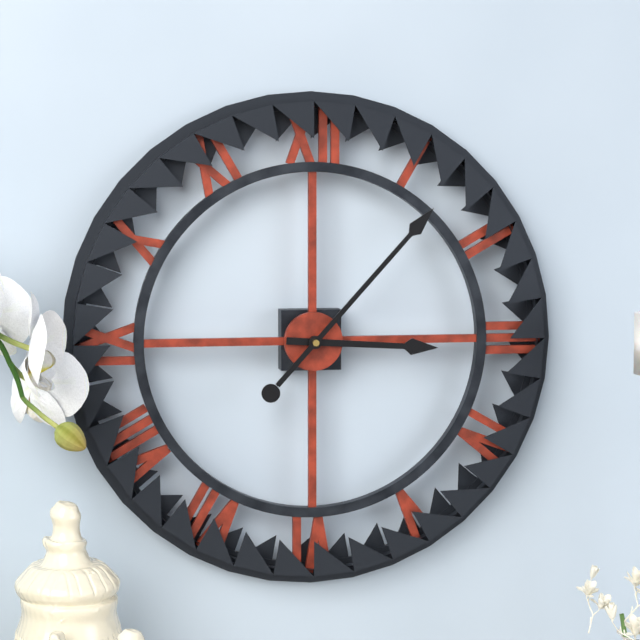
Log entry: 3:07
